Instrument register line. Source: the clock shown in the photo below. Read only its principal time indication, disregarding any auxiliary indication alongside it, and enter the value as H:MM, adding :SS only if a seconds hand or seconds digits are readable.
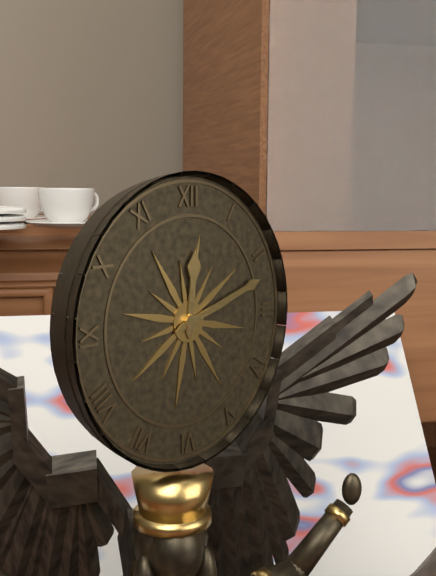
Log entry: 12:12
